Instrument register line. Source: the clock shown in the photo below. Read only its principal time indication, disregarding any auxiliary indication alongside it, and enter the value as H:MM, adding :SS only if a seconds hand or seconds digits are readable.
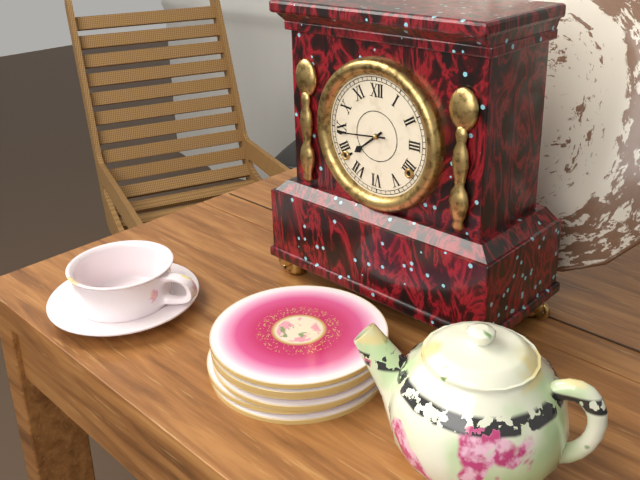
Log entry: 7:44
